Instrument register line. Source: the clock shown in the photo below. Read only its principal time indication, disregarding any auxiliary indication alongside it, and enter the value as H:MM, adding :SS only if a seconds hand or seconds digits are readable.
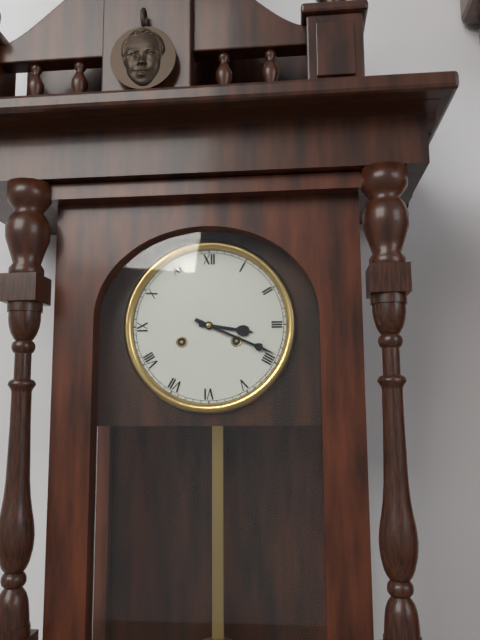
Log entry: 3:19
